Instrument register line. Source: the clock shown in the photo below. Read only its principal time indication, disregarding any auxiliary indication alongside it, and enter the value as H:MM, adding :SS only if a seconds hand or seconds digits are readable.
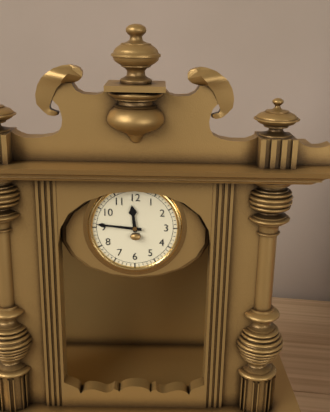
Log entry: 11:46
